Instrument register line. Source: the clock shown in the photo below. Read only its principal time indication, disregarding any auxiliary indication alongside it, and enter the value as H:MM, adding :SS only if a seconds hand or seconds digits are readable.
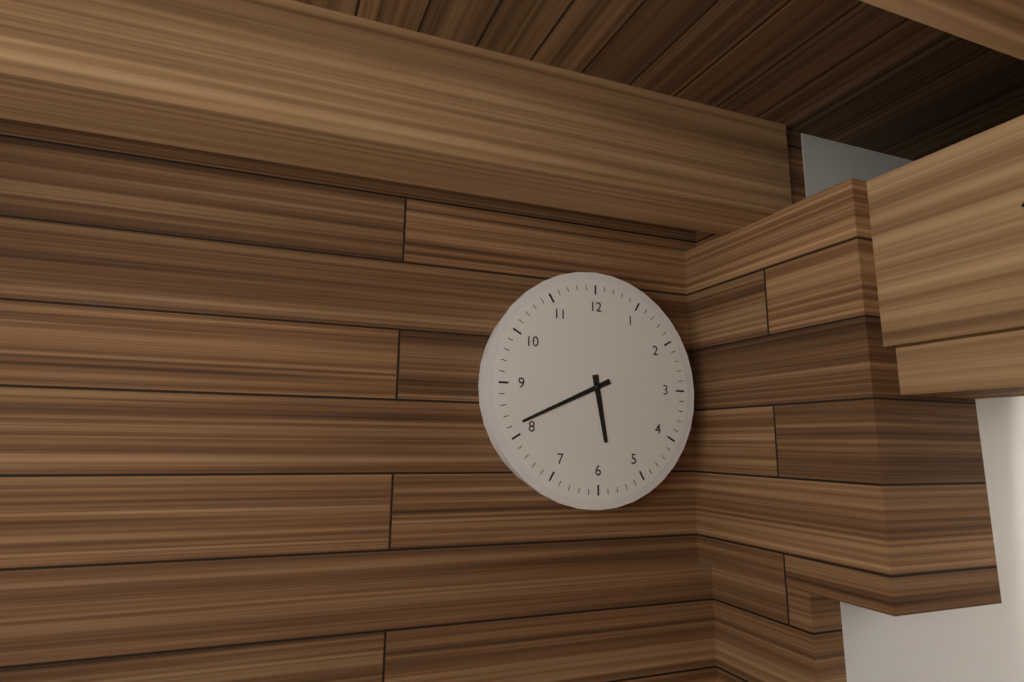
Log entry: 5:41
